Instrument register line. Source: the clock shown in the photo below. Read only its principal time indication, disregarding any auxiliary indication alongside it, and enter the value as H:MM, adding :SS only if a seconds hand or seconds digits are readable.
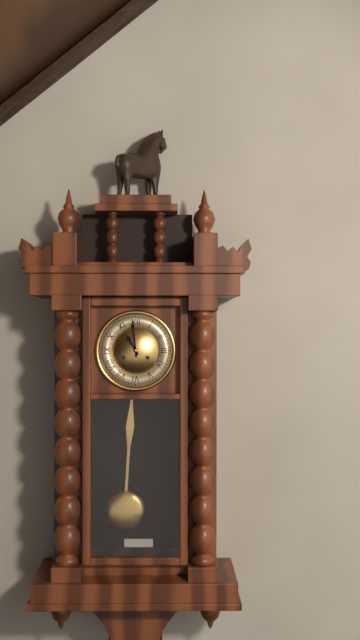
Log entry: 10:59
